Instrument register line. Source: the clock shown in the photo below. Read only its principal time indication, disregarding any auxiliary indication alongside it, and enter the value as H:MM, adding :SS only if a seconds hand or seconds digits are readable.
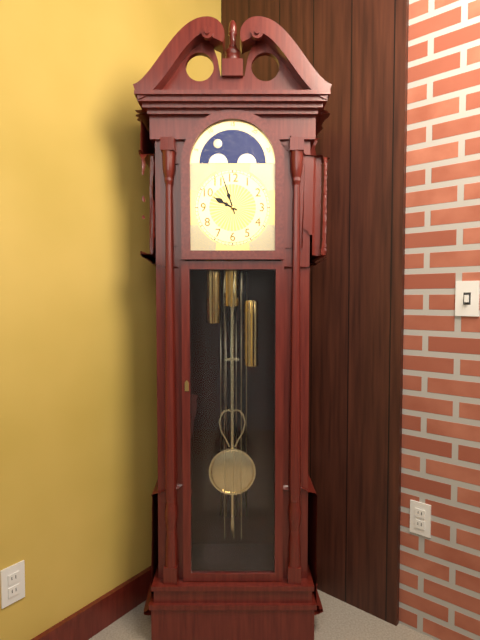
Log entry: 9:57
